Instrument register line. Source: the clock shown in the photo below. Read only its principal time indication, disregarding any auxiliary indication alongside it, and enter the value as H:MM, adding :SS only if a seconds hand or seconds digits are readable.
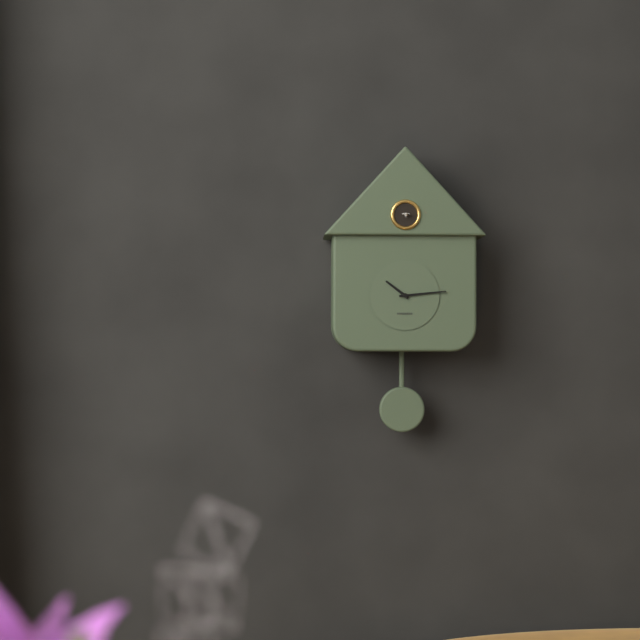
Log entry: 10:14
